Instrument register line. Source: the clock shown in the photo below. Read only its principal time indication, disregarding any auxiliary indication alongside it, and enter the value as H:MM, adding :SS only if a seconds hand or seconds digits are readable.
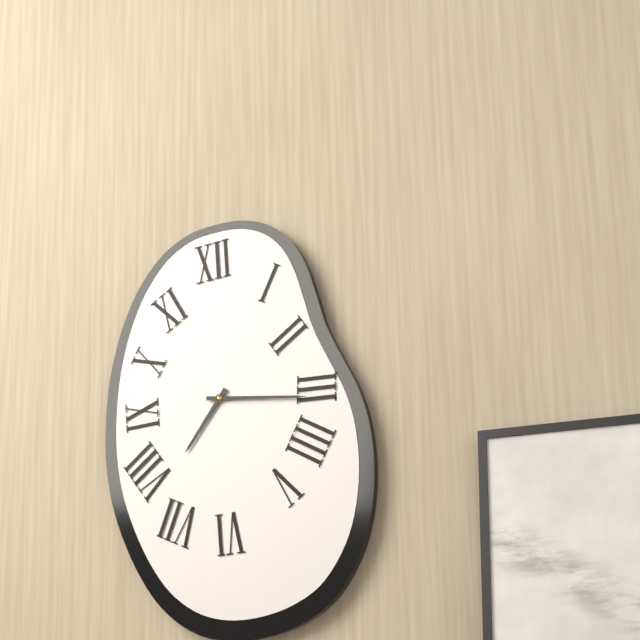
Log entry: 7:16
